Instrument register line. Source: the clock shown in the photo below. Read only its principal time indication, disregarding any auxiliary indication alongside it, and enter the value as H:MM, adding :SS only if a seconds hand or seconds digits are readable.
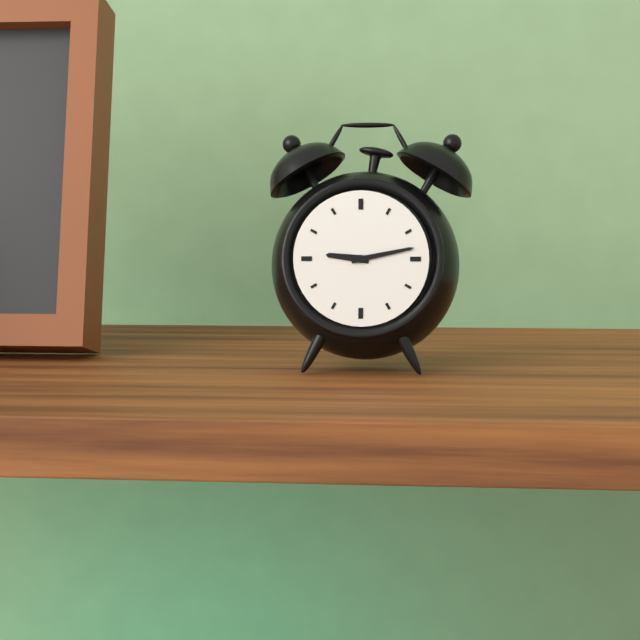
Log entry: 9:13
